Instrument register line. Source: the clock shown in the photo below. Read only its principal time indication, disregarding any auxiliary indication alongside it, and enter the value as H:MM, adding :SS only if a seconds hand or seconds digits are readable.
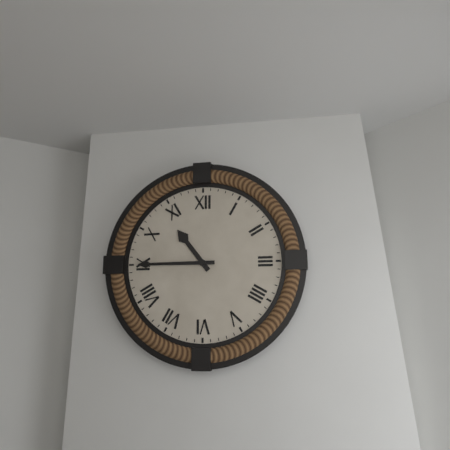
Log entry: 10:45
